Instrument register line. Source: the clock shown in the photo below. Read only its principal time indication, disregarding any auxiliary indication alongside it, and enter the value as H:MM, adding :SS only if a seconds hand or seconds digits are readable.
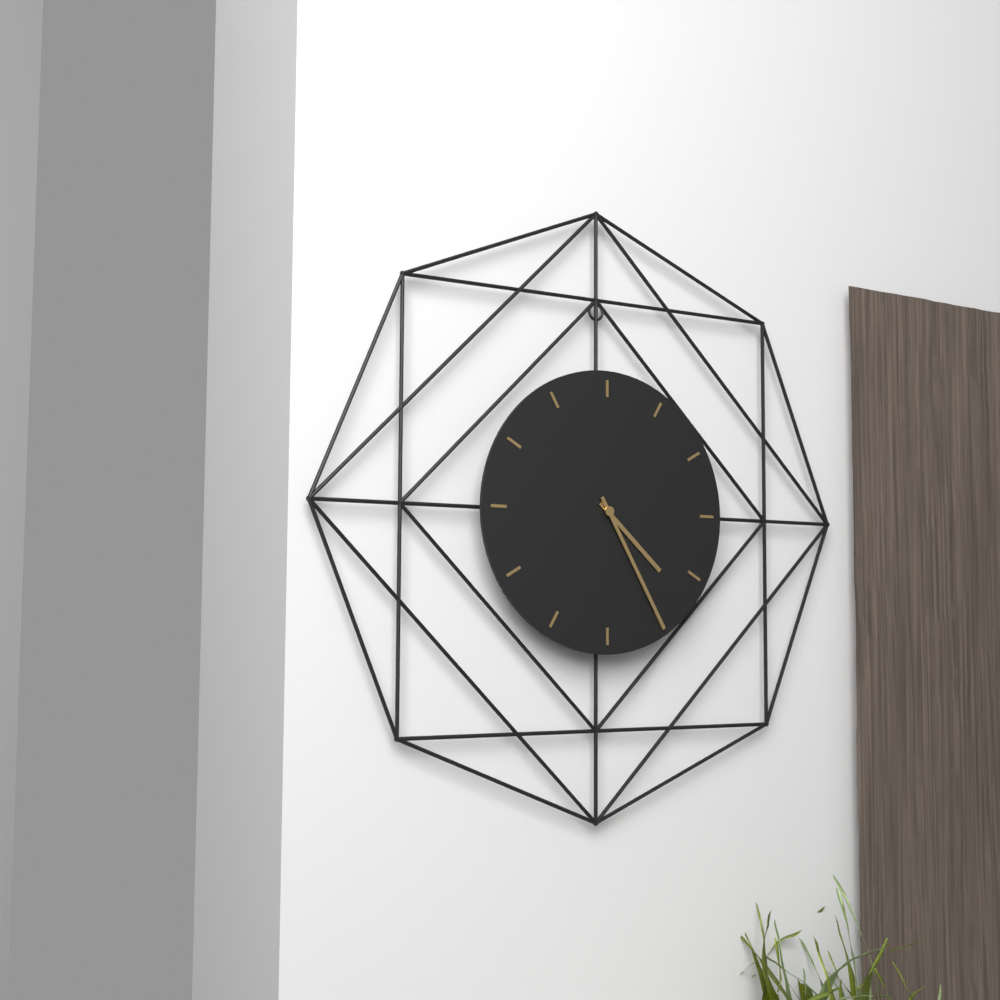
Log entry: 4:25
